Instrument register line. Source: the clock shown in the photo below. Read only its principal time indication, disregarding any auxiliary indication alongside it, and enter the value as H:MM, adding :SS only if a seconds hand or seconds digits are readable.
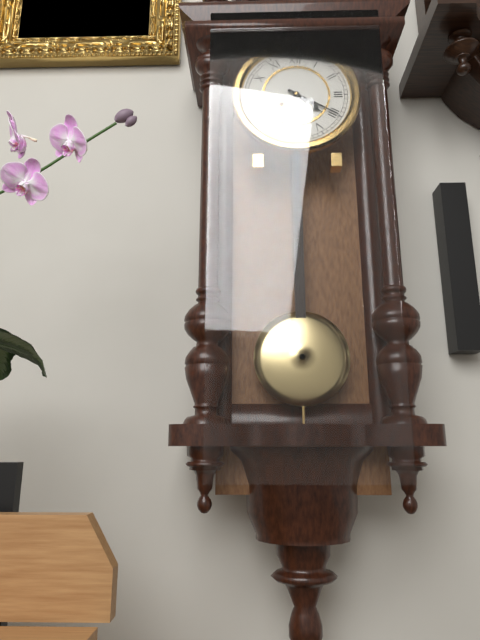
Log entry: 4:20
